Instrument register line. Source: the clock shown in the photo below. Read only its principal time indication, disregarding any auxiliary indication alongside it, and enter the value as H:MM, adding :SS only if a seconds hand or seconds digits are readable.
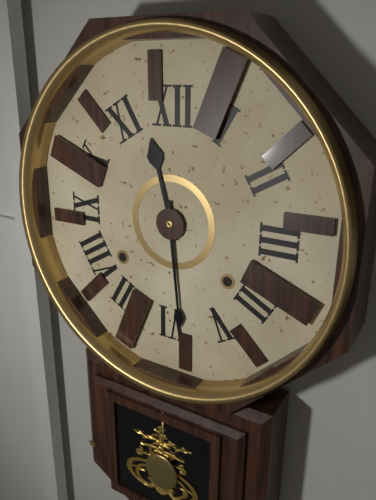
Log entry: 11:29
